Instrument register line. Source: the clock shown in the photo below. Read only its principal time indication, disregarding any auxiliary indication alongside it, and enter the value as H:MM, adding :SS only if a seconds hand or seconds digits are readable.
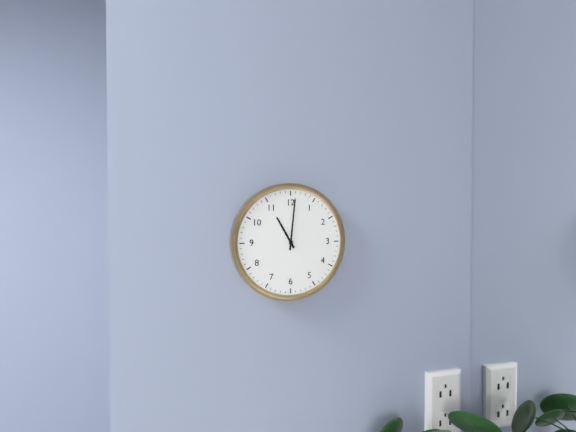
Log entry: 11:01
